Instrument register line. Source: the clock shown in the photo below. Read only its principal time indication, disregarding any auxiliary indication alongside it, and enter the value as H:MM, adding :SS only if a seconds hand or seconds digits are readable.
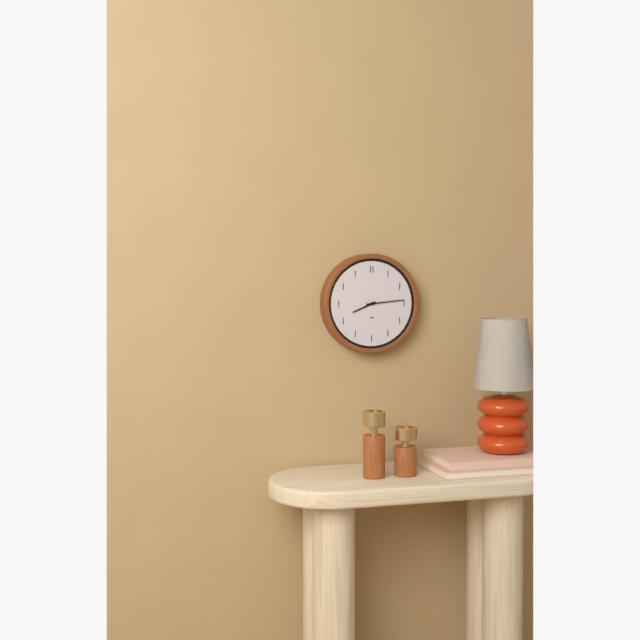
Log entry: 8:14
